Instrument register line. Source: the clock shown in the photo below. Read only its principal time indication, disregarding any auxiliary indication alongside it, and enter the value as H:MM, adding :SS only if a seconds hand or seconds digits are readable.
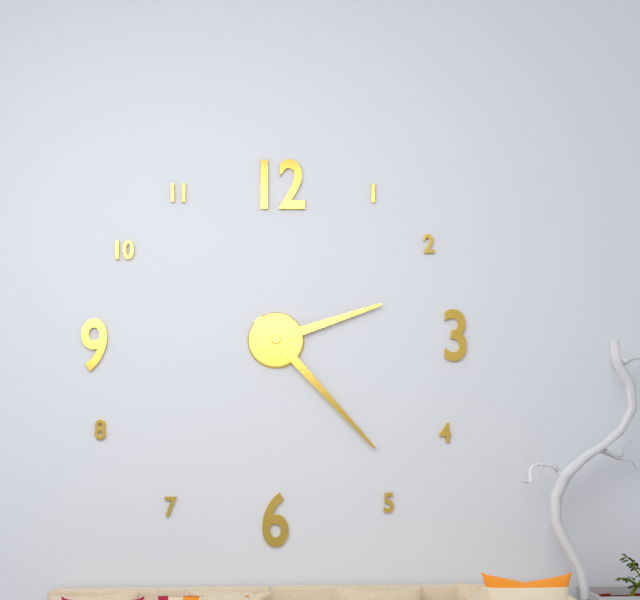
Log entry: 2:23
